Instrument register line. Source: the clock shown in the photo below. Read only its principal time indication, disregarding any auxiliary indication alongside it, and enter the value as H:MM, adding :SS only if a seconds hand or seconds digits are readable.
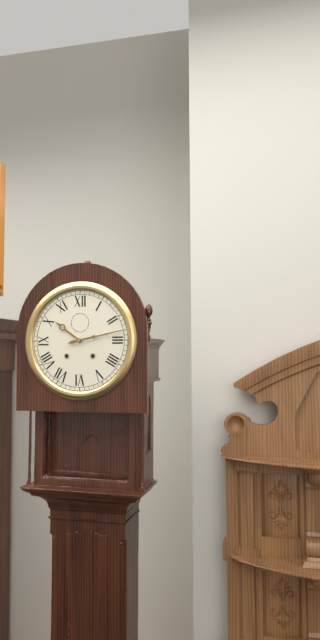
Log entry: 10:13
